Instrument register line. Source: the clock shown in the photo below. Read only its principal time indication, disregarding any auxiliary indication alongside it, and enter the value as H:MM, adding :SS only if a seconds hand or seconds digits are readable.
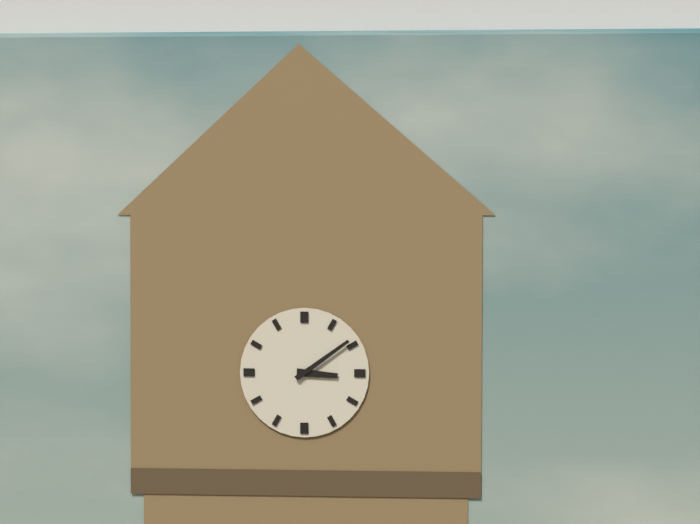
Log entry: 3:09
